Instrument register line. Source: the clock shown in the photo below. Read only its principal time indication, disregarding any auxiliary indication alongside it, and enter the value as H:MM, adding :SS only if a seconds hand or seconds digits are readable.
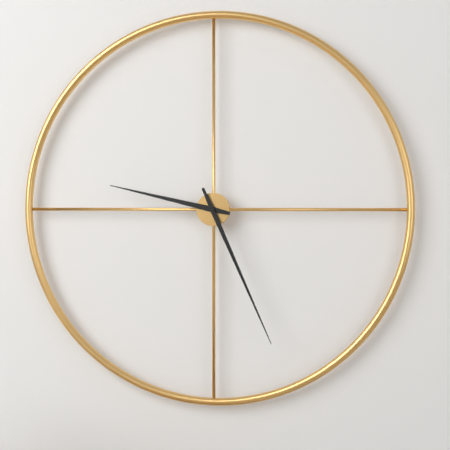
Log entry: 9:26
